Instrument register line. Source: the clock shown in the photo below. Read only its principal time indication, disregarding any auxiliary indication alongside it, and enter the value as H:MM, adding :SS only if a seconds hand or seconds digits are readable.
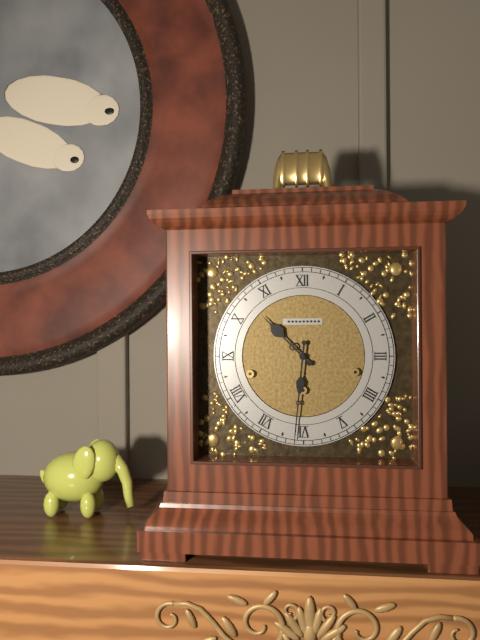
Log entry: 10:31
